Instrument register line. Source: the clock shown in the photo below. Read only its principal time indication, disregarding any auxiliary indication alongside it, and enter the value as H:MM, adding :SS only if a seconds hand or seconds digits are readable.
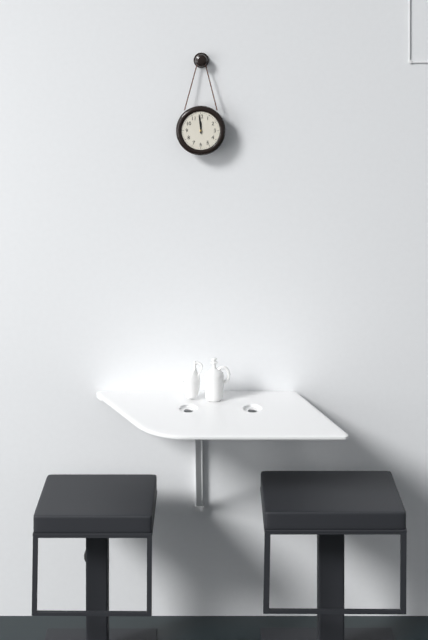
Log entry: 11:59
